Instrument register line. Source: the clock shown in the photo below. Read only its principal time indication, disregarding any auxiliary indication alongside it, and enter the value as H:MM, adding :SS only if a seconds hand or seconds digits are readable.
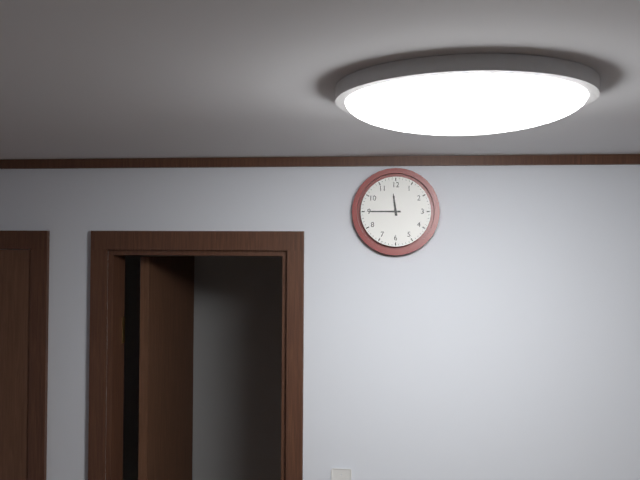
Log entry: 11:45
